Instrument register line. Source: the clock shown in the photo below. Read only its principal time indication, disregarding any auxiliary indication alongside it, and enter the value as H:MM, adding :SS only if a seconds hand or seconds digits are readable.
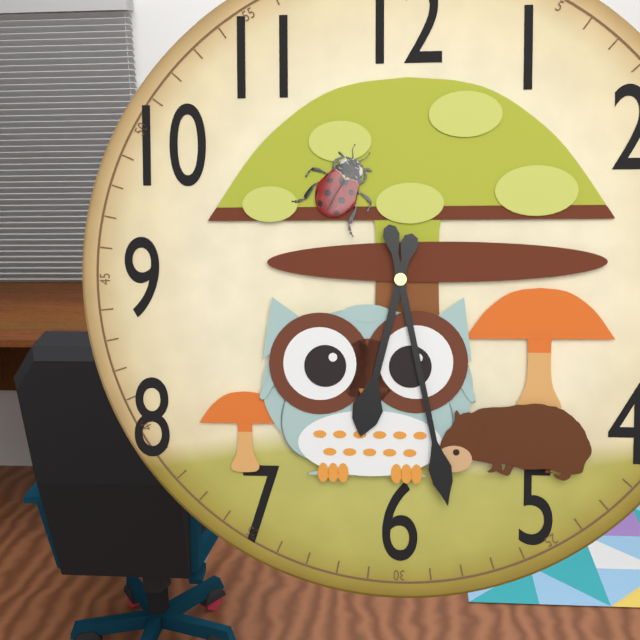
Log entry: 6:28
